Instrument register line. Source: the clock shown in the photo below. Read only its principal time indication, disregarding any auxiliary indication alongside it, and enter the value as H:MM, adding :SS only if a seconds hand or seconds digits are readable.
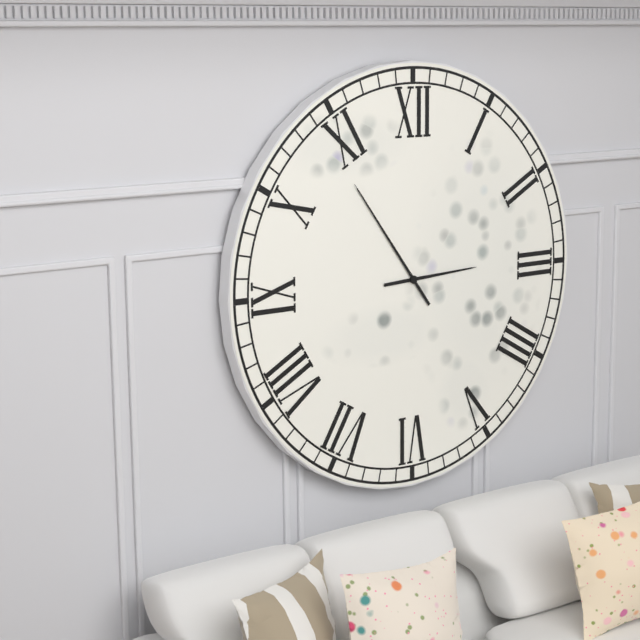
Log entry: 2:54
